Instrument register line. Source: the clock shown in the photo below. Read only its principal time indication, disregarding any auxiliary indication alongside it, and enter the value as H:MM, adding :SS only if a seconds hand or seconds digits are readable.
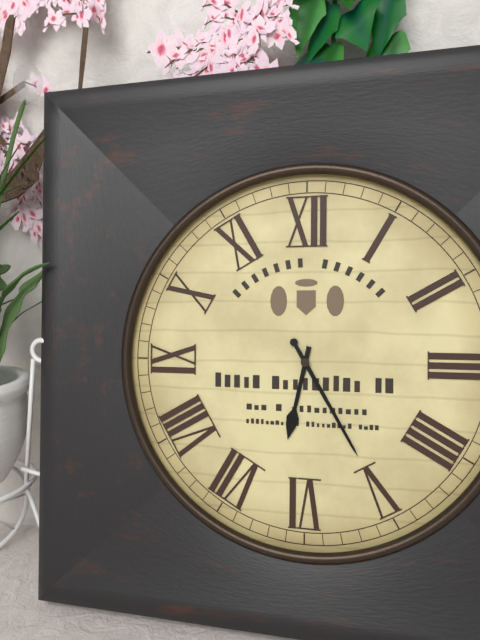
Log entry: 6:25
